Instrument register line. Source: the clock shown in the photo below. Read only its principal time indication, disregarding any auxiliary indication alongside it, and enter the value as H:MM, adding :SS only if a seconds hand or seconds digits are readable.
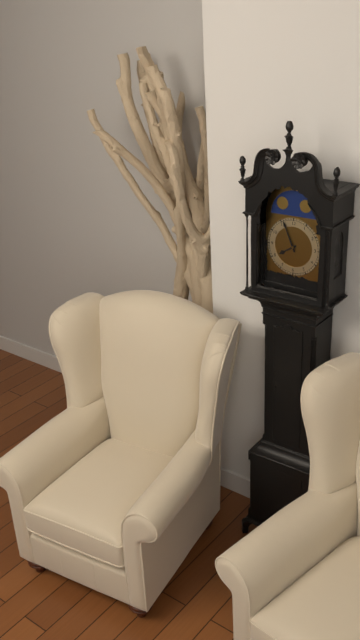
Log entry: 7:56
